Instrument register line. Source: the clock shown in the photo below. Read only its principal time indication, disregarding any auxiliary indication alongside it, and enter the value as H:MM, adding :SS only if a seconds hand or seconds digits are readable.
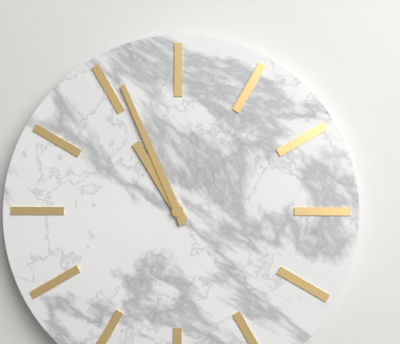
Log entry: 10:56
